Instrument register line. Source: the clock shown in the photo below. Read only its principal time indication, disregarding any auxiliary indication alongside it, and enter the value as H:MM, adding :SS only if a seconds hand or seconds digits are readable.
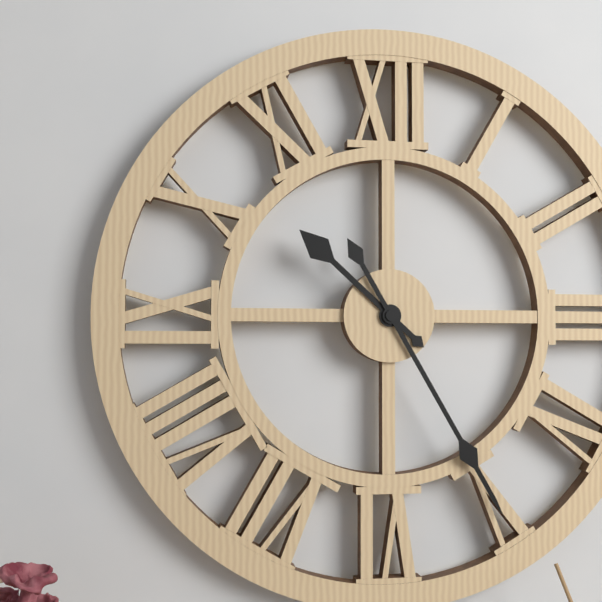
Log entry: 10:25
